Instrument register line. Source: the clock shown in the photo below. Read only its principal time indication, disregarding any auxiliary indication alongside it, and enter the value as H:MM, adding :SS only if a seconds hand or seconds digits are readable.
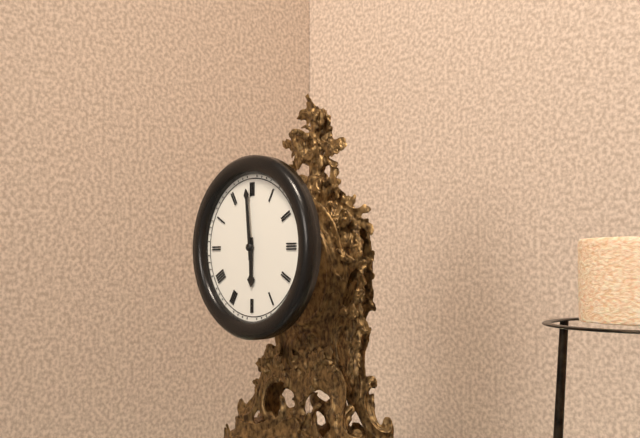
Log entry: 5:59
